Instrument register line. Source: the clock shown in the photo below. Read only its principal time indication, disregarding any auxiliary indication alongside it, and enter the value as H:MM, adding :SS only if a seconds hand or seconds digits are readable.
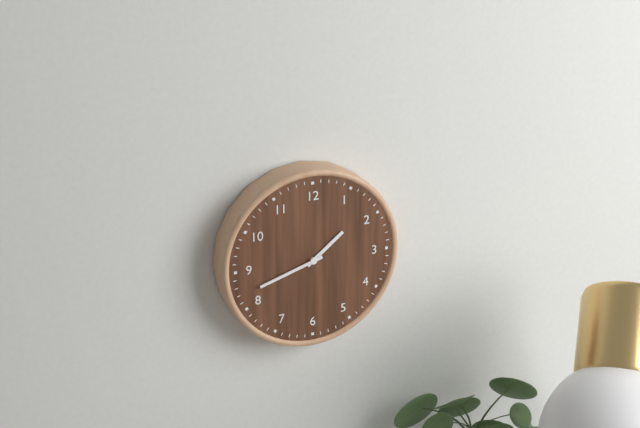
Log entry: 1:42
